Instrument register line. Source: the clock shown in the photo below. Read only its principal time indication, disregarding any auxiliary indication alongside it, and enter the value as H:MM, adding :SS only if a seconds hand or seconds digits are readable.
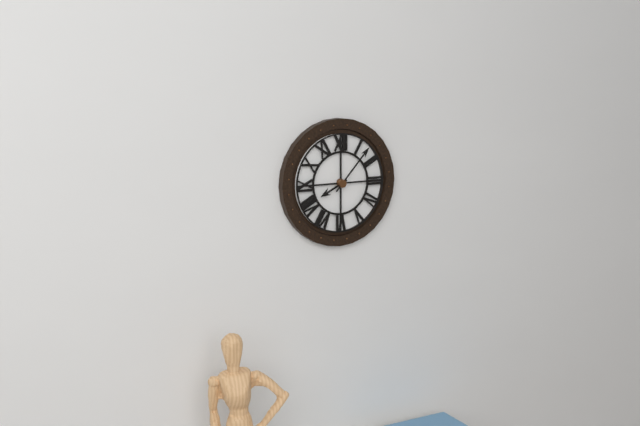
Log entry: 8:07
